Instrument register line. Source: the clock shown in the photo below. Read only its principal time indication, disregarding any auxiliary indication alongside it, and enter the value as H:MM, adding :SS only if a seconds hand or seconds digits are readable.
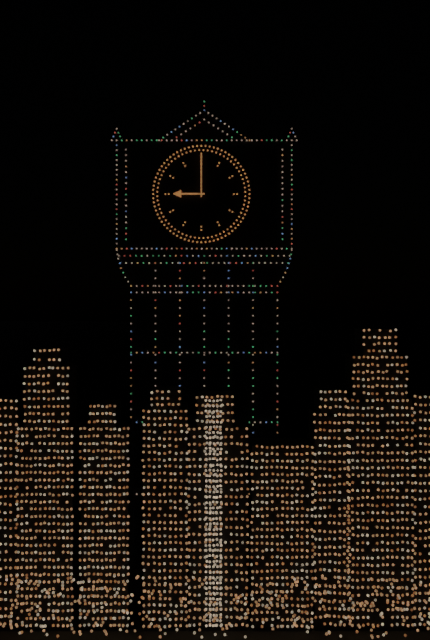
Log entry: 9:00
